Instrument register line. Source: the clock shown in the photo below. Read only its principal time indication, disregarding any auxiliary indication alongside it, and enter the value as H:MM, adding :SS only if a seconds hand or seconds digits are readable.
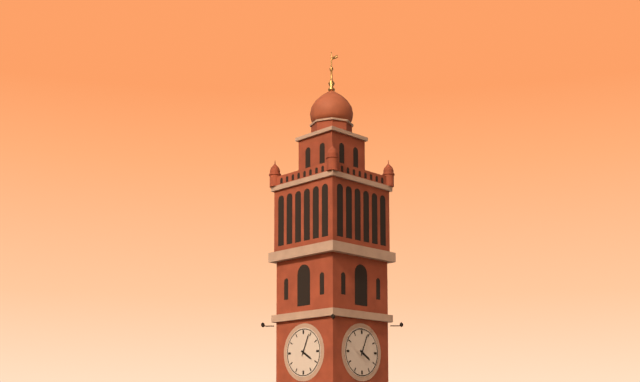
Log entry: 4:04
